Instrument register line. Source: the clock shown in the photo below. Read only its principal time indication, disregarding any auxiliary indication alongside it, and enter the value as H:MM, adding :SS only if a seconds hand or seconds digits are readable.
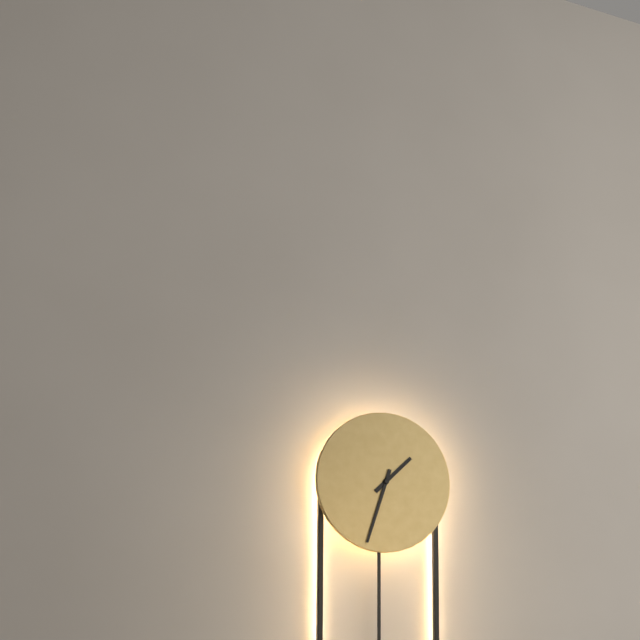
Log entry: 1:33
